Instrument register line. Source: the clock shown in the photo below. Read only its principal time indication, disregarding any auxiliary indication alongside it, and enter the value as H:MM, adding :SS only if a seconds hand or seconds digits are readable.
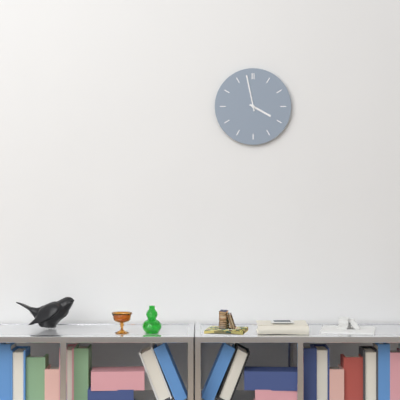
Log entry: 3:58
